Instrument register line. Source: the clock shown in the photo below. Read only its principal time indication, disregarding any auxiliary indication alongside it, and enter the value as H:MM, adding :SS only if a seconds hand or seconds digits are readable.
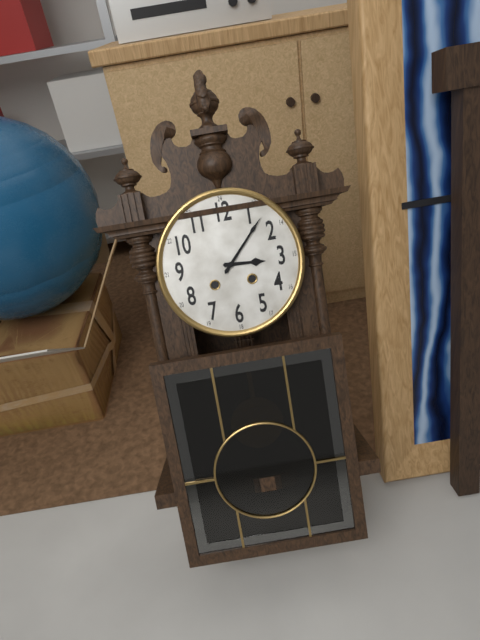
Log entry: 3:07
